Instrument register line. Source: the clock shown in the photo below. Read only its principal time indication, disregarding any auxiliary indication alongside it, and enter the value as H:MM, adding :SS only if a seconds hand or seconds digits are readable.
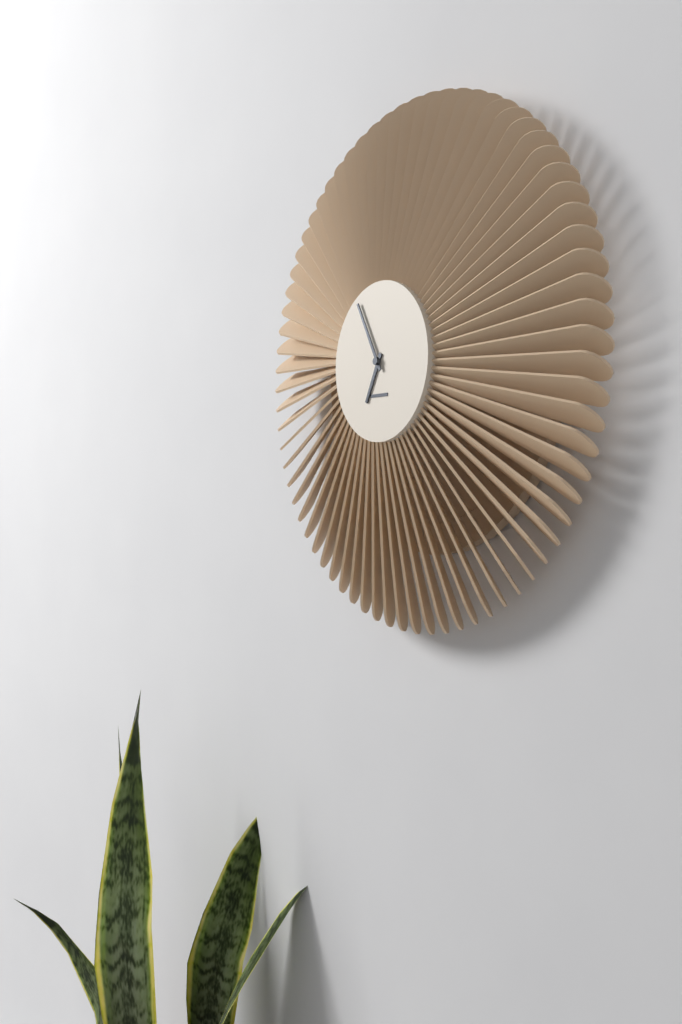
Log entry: 6:55
